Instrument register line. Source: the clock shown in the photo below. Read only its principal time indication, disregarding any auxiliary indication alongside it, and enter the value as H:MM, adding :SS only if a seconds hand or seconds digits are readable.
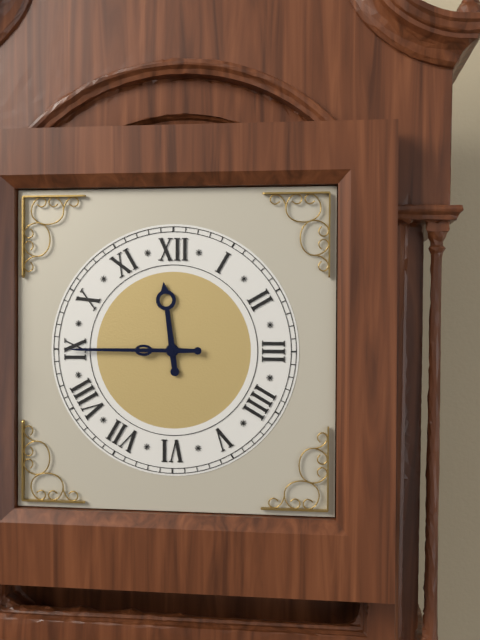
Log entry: 11:45
